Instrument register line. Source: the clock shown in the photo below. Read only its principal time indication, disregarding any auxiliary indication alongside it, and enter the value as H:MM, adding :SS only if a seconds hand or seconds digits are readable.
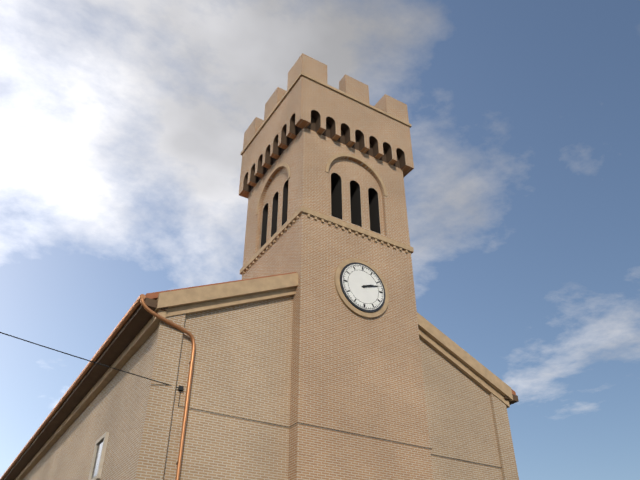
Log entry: 2:12
